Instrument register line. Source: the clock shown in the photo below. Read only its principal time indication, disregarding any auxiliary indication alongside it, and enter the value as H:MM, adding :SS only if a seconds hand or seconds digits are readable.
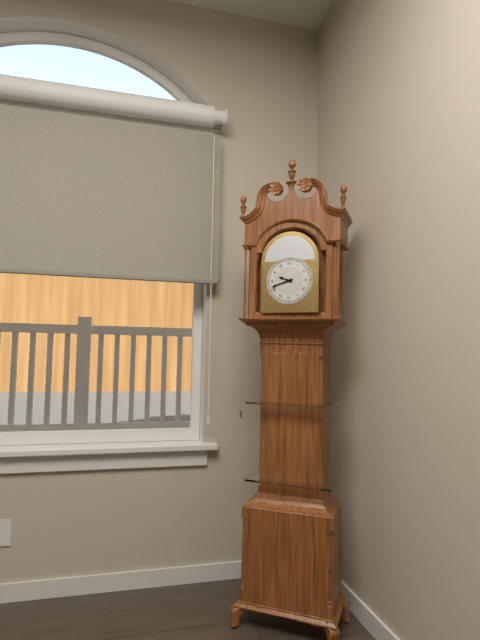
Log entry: 9:42
